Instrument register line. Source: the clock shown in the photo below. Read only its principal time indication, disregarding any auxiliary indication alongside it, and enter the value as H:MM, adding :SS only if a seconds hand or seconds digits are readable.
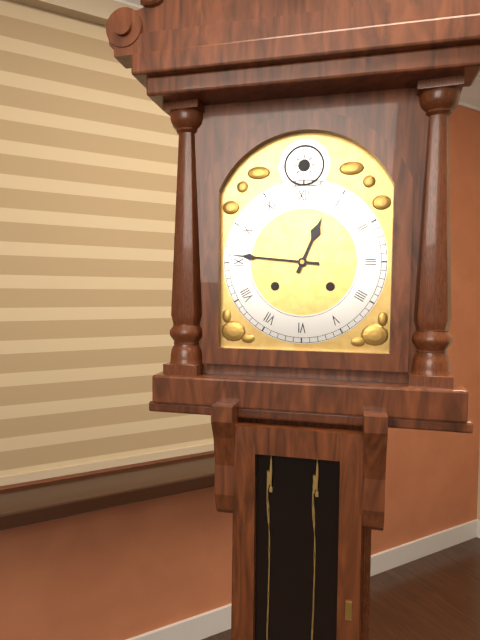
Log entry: 12:46
